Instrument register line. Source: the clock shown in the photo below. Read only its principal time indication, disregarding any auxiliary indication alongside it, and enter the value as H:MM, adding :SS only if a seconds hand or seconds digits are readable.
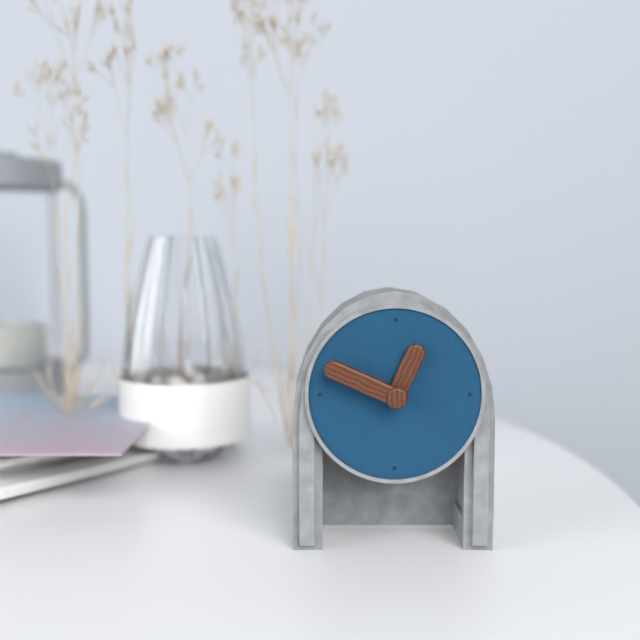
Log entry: 12:49
